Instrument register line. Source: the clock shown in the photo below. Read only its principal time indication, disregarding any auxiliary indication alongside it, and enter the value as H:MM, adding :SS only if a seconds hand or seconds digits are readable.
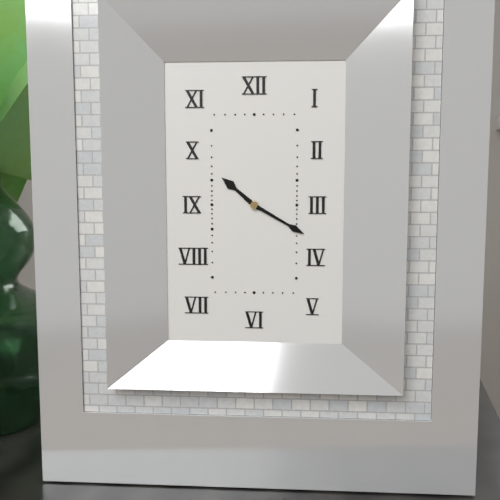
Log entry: 10:20
